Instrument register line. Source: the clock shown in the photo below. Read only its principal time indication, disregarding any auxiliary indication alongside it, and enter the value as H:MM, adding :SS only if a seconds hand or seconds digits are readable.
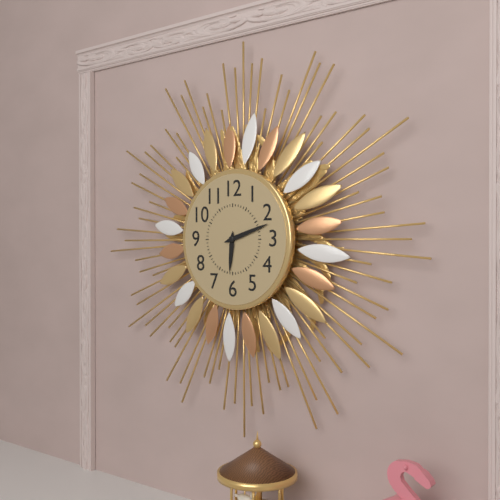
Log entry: 6:12
